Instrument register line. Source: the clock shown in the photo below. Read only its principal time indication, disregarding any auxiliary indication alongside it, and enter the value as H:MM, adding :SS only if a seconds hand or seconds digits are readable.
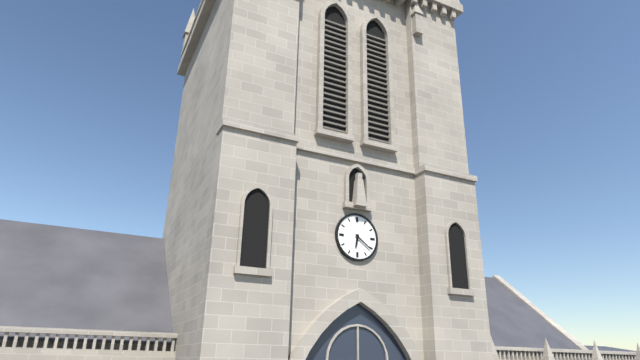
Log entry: 6:21
